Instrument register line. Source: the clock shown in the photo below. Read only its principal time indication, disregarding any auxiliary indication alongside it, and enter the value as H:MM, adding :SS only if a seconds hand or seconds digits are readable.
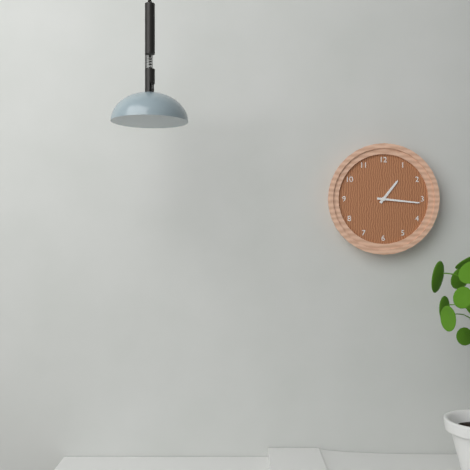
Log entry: 1:16
